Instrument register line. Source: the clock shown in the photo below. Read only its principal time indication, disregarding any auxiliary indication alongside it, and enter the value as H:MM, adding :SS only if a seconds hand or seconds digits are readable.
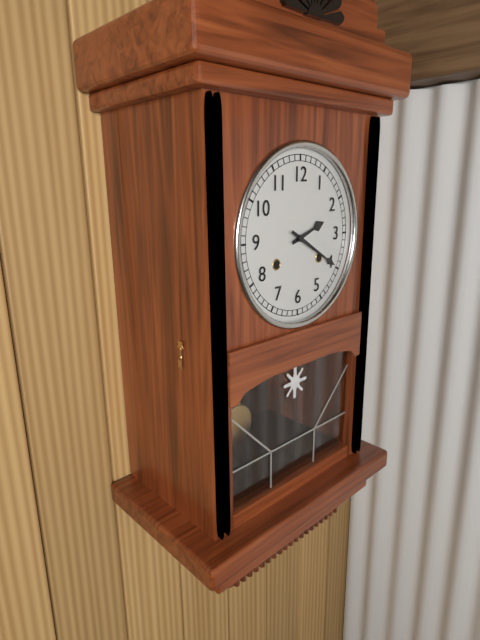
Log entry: 2:20
